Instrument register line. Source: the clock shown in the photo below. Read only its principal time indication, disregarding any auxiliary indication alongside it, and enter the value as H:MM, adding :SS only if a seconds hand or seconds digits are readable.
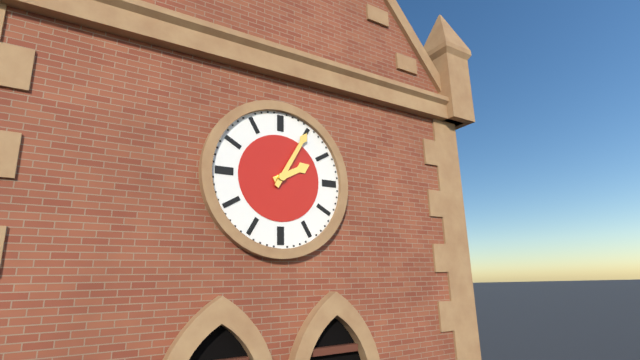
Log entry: 2:05
